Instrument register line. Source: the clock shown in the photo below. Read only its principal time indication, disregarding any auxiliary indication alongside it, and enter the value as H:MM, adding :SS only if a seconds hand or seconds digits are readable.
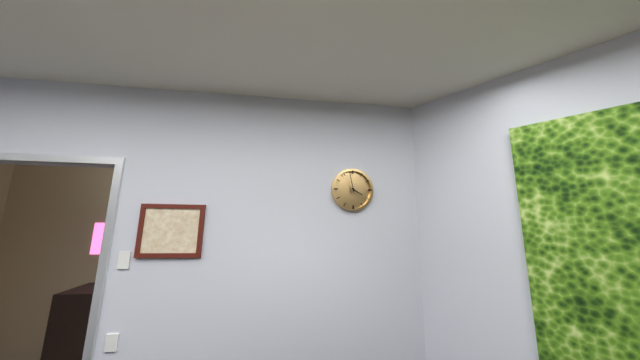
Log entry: 3:58
